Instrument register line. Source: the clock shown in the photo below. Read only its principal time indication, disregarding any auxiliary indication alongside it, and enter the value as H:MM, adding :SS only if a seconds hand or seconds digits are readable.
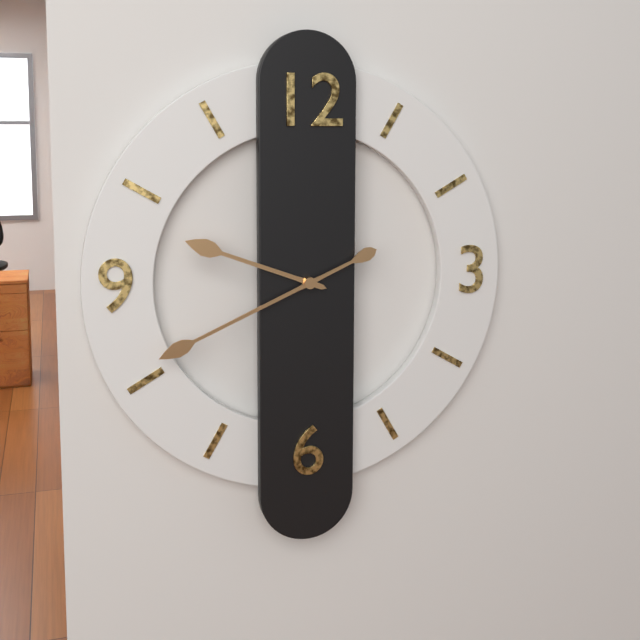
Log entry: 9:41
